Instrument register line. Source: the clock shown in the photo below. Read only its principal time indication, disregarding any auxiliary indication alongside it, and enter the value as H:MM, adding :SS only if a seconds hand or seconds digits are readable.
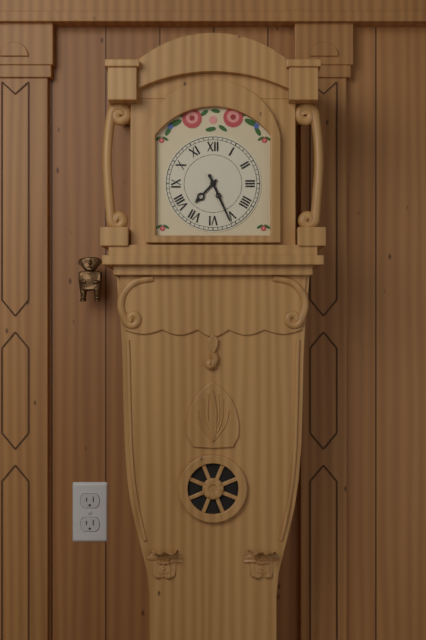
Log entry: 7:26
